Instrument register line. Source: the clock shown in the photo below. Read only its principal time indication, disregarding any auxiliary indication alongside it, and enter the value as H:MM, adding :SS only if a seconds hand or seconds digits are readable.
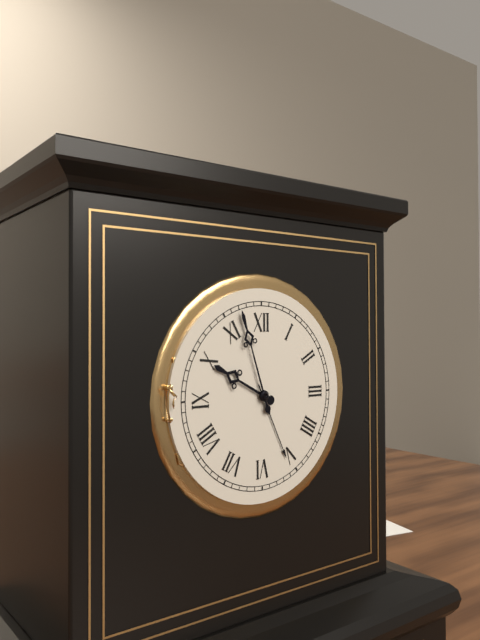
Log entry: 9:57
